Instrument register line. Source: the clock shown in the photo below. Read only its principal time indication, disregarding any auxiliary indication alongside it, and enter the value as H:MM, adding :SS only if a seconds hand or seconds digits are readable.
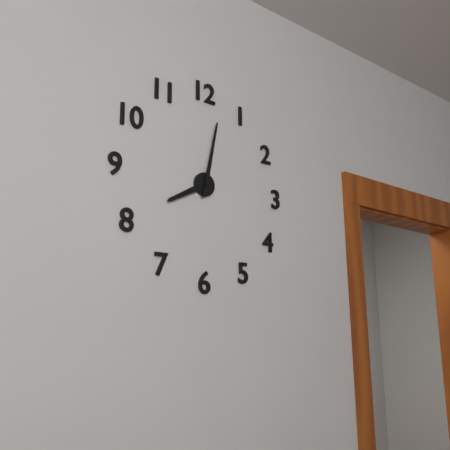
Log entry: 8:02
